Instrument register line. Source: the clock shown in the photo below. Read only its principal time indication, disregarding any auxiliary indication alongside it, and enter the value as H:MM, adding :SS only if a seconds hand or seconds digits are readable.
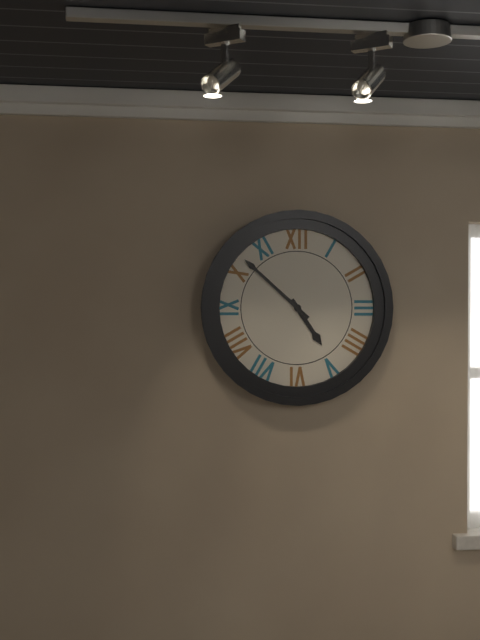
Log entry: 4:52
